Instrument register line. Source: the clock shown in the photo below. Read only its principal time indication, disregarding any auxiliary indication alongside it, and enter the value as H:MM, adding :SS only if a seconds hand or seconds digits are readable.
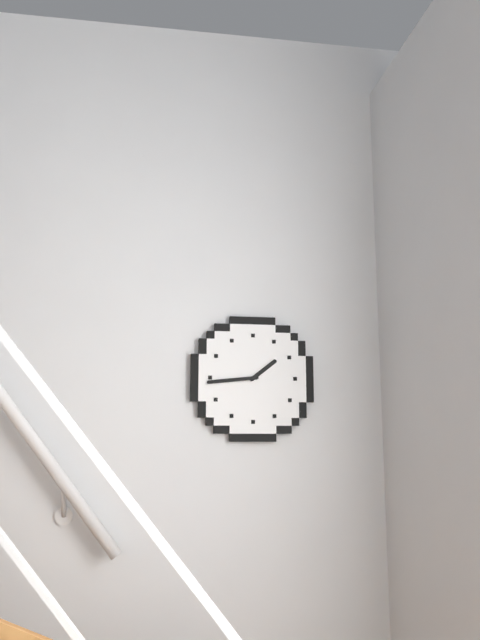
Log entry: 1:44
